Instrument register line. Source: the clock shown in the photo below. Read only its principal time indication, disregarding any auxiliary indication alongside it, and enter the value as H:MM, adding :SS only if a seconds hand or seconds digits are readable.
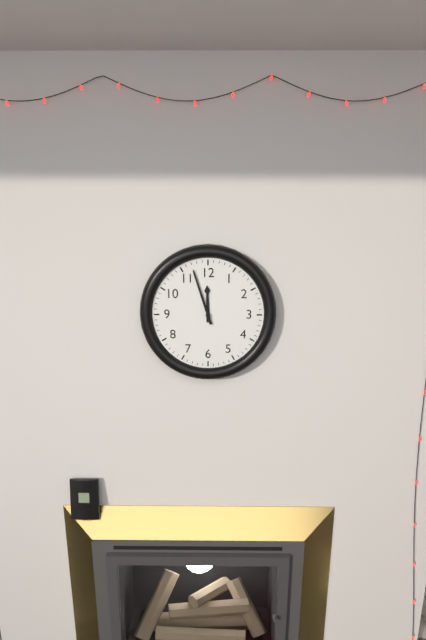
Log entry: 11:57
